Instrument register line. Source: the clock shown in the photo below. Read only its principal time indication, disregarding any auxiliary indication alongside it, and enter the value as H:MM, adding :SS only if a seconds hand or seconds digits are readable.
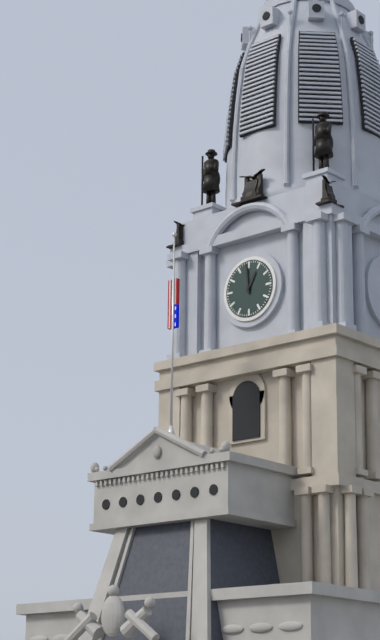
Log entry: 12:59
